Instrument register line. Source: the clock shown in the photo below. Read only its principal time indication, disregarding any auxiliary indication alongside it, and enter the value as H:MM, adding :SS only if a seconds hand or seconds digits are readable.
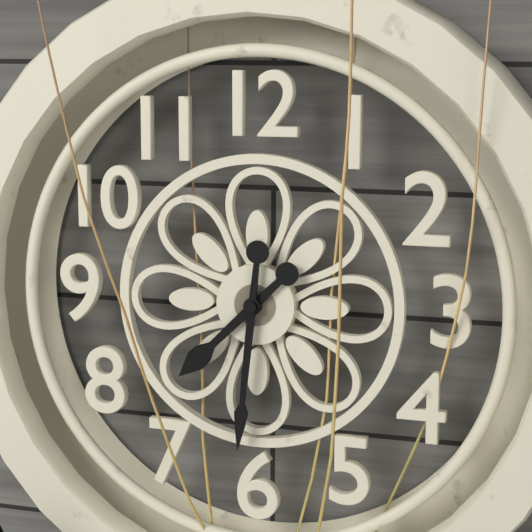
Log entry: 7:31
